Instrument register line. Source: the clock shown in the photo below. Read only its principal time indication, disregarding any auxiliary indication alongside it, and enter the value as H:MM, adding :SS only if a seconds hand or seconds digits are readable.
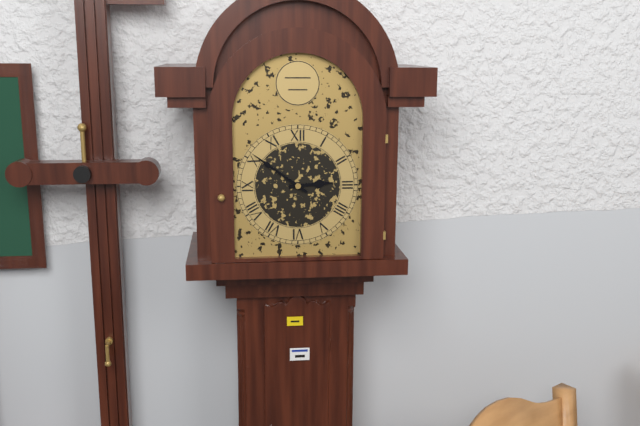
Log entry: 2:51
